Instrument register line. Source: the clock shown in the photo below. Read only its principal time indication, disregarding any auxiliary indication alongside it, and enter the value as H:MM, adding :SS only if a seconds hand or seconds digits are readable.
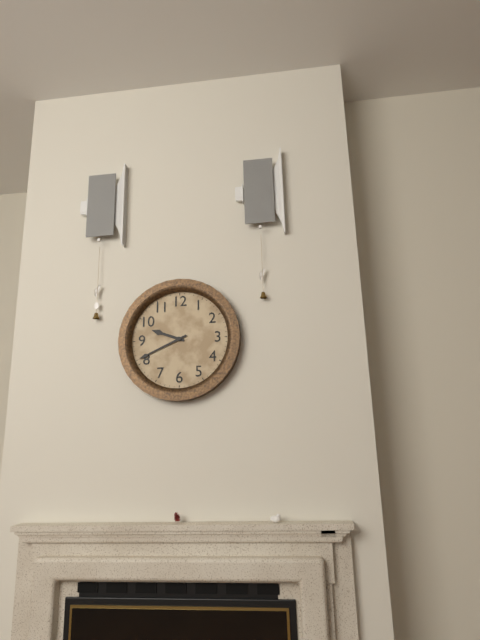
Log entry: 9:41
